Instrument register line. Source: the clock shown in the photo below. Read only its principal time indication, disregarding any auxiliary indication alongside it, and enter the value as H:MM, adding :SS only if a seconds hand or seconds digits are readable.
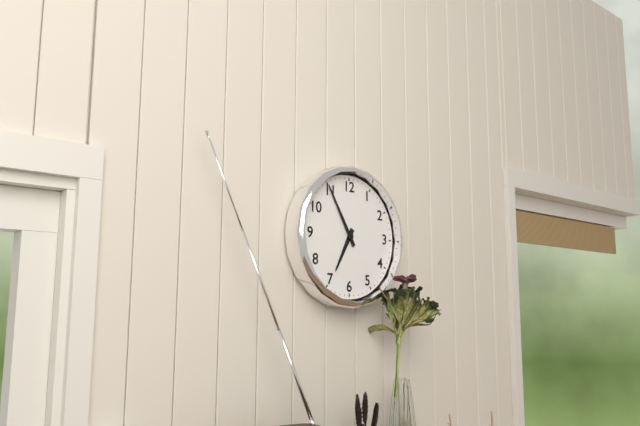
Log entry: 6:55
